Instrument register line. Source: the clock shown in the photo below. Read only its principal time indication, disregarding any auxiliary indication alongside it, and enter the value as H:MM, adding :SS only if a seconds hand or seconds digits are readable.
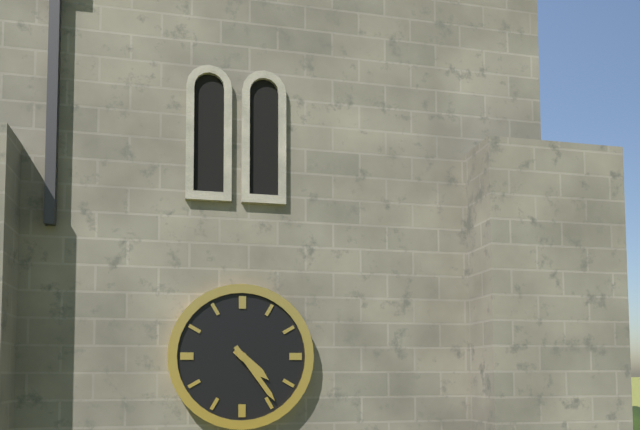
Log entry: 4:24
